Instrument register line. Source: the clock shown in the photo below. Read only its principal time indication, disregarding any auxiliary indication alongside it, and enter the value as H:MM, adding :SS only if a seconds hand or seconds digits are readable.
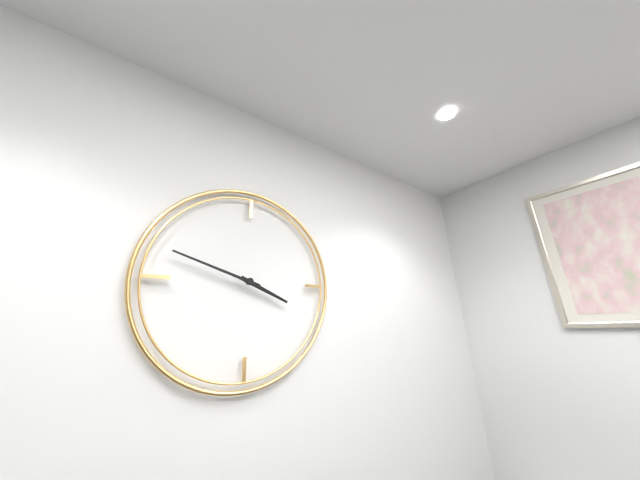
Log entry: 3:48
